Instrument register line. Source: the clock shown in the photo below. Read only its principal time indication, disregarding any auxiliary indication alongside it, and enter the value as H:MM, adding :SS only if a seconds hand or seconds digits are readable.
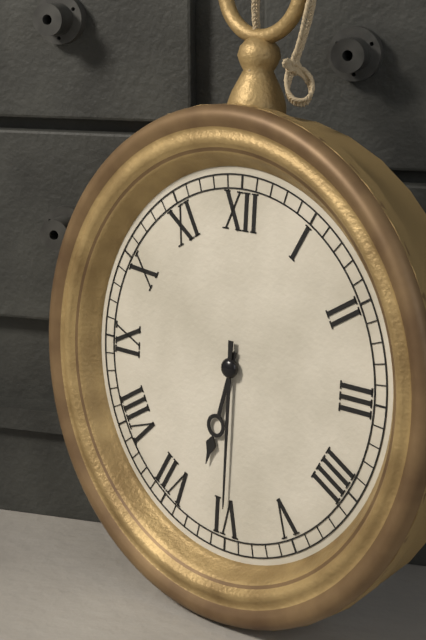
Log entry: 6:30
